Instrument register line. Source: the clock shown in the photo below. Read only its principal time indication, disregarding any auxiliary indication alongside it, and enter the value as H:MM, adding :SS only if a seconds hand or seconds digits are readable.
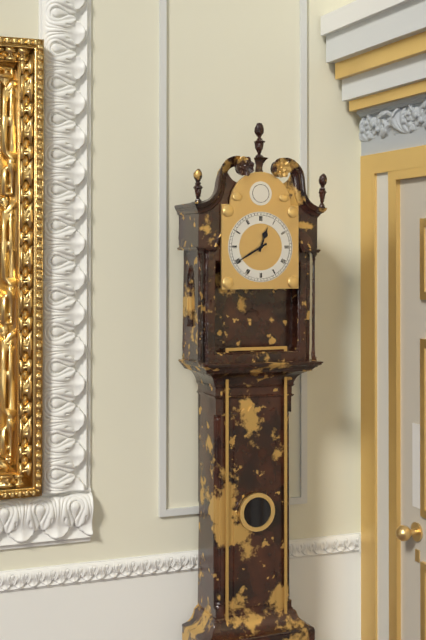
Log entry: 12:40
